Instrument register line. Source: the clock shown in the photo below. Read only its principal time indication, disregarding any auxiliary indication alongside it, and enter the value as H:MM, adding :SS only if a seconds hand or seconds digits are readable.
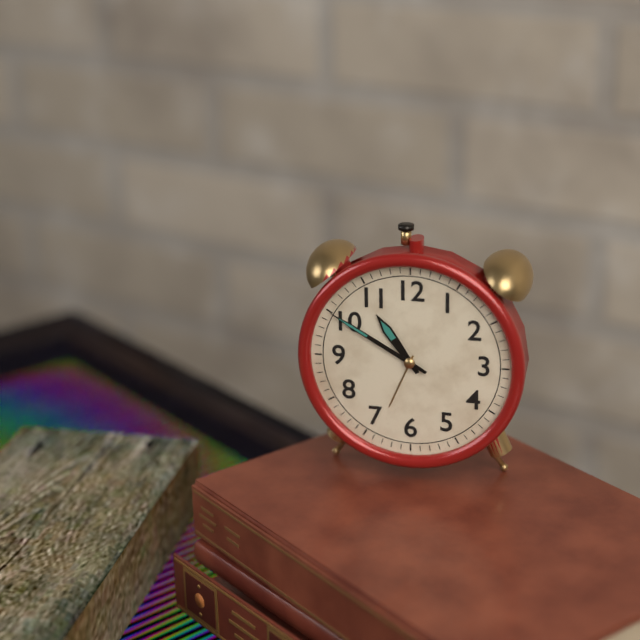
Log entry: 10:50
